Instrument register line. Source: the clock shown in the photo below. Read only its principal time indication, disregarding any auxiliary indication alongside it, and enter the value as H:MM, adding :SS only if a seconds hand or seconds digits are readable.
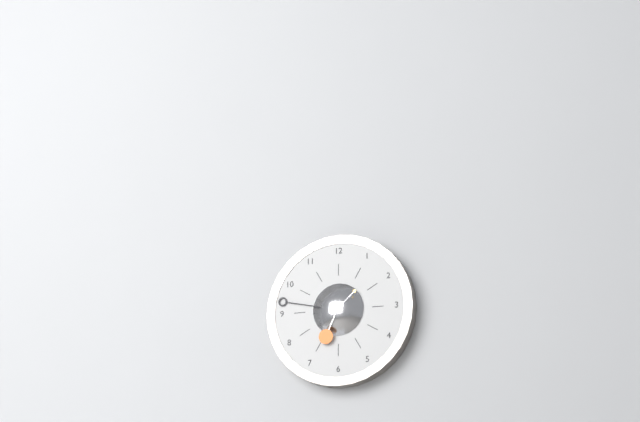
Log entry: 6:47
